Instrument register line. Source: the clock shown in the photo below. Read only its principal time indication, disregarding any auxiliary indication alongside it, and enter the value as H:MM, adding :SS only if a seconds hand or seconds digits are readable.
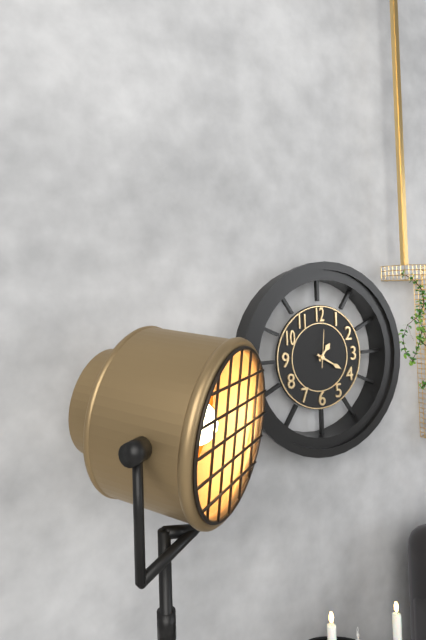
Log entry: 1:20
